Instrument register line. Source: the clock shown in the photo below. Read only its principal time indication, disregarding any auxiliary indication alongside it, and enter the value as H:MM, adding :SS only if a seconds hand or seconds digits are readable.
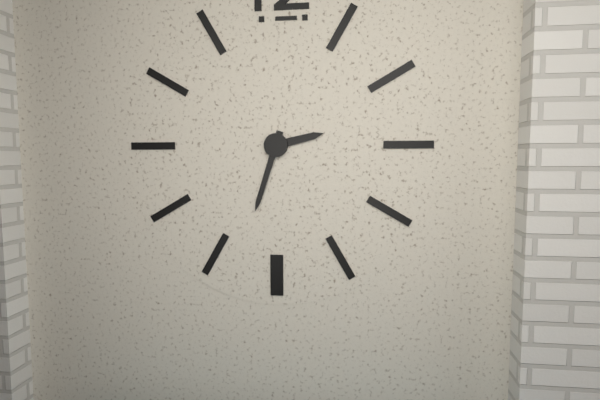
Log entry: 2:33
